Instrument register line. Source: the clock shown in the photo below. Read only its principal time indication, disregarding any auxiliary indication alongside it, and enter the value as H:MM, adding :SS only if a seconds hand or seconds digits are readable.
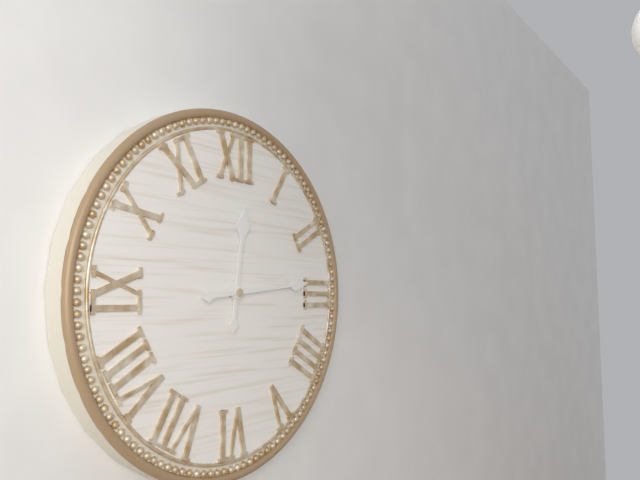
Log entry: 12:14
